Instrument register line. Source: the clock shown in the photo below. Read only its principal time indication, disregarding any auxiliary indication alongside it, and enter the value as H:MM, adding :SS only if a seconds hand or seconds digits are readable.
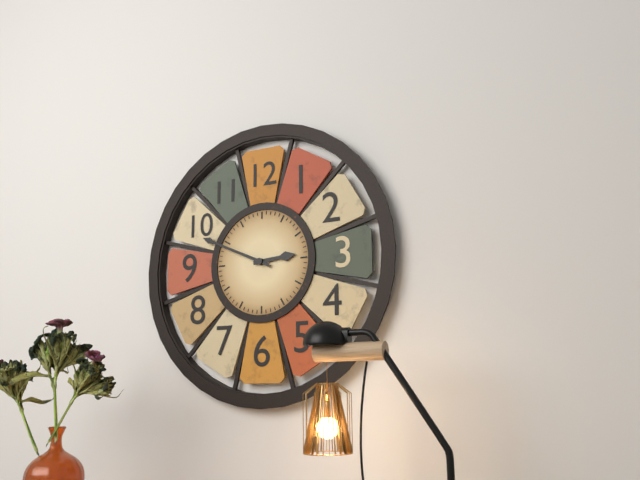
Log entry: 2:49
